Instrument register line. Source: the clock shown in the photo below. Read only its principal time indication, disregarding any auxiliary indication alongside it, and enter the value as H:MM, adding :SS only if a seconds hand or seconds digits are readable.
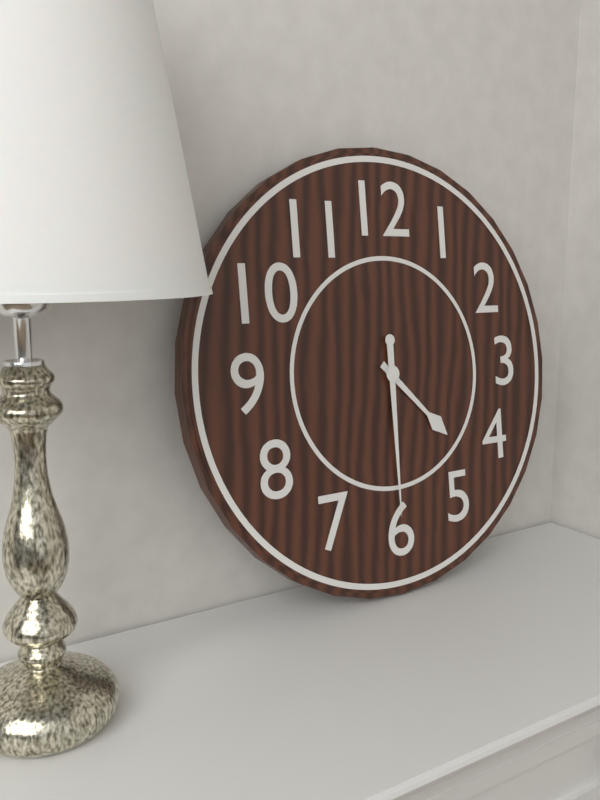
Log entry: 4:30
